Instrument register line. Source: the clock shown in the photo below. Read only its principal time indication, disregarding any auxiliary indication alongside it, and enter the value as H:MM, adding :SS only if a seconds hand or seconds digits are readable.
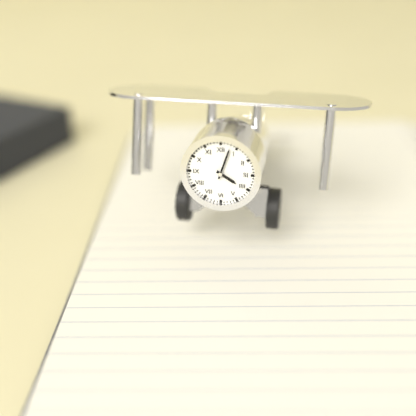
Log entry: 4:03
